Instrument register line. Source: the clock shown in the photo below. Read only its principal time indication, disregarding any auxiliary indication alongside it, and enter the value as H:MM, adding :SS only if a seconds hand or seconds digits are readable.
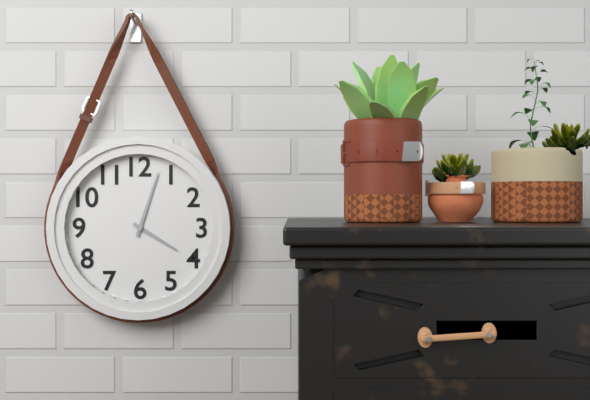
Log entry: 4:03
